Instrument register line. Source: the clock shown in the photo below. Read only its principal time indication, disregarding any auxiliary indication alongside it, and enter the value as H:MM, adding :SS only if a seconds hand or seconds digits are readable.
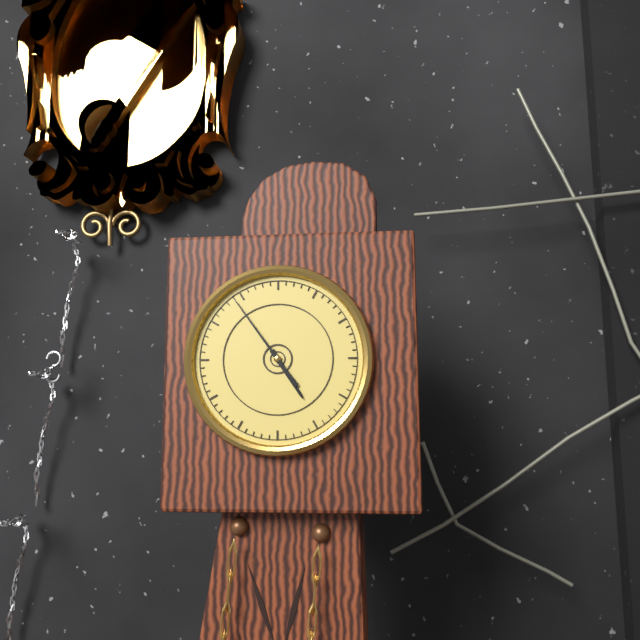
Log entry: 4:54
